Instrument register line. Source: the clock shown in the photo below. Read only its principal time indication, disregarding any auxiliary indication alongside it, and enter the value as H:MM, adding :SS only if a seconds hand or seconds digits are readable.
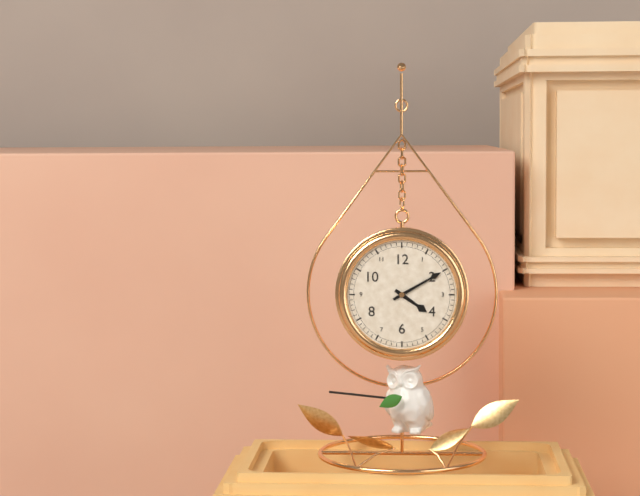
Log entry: 4:10
